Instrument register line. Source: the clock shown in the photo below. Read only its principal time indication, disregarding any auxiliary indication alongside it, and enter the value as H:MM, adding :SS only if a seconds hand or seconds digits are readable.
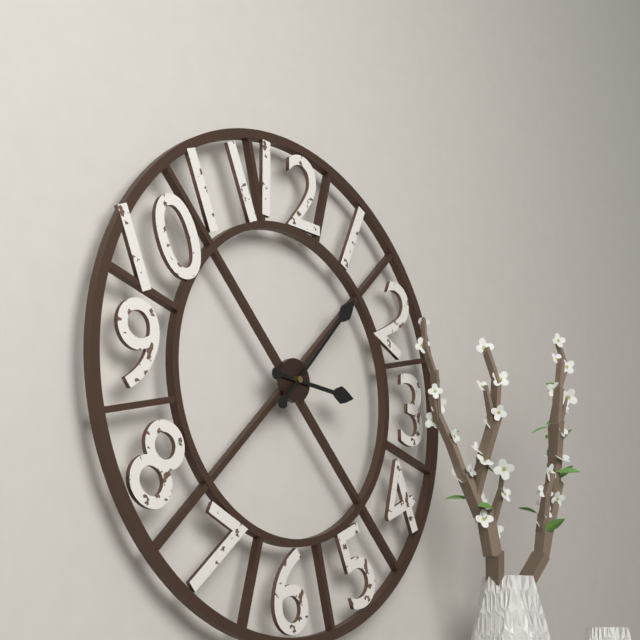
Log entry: 3:07
